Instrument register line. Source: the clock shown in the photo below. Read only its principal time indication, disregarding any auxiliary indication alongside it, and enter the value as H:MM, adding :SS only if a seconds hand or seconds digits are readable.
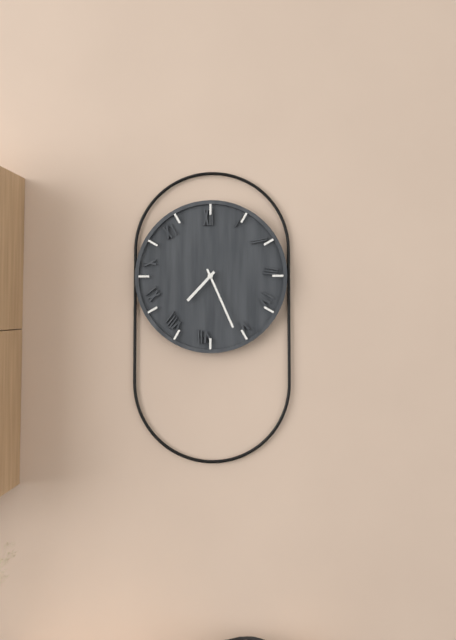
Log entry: 7:26
